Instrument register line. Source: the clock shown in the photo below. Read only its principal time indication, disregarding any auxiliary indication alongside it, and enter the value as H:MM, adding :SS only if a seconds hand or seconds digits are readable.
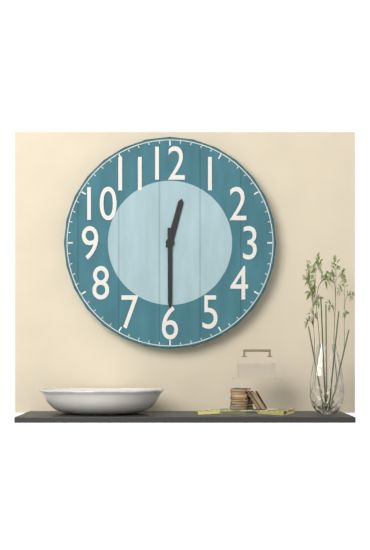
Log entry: 12:30
